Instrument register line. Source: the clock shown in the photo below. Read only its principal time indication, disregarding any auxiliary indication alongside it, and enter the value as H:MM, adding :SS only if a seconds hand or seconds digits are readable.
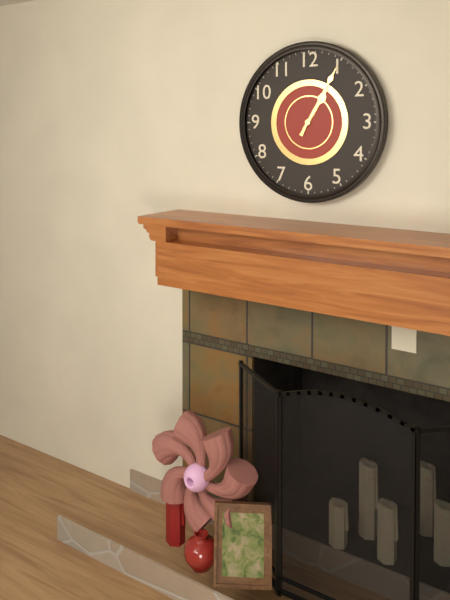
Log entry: 1:05
